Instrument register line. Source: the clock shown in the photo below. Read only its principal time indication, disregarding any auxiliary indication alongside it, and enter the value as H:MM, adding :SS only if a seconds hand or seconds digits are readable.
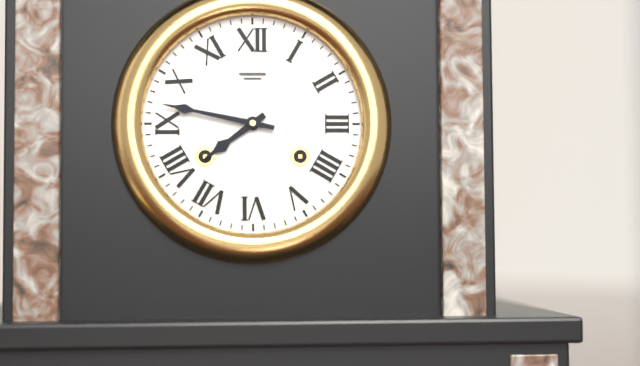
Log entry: 7:47
